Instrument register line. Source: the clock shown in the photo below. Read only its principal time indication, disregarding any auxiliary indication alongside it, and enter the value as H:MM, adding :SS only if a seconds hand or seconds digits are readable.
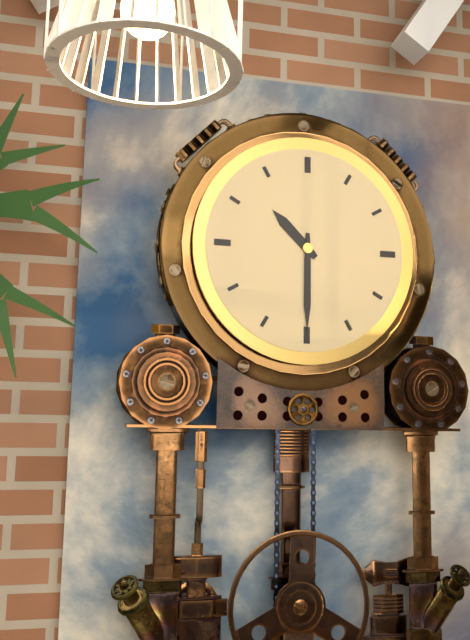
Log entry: 10:30
